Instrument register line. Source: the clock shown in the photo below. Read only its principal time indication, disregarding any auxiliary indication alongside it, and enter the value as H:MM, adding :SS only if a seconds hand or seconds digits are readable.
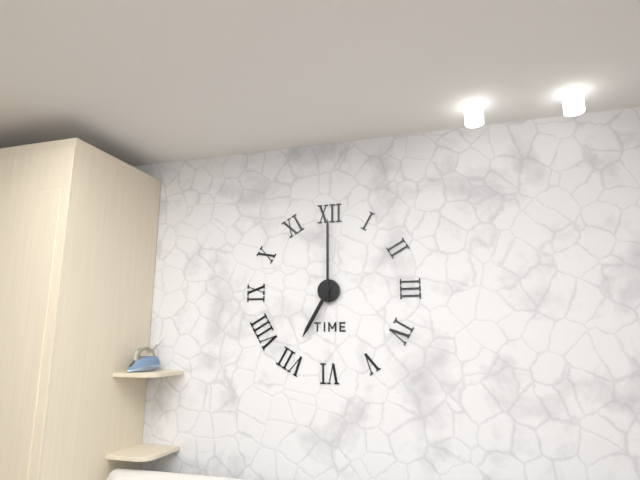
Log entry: 7:00
